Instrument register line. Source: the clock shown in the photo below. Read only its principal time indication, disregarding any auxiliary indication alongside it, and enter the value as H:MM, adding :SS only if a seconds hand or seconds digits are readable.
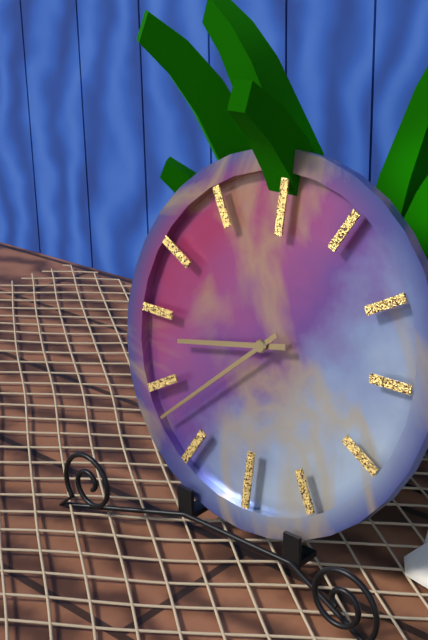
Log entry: 8:38
